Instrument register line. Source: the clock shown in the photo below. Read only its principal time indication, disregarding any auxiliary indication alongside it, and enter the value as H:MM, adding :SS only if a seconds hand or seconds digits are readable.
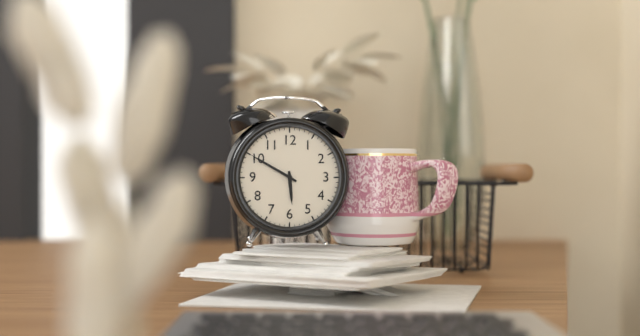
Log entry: 5:50
